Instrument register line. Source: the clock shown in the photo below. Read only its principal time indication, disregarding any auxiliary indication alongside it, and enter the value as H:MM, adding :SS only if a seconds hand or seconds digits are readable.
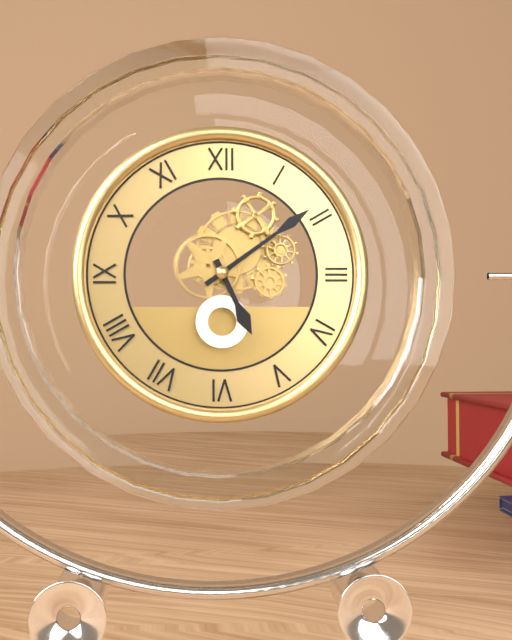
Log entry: 5:09
